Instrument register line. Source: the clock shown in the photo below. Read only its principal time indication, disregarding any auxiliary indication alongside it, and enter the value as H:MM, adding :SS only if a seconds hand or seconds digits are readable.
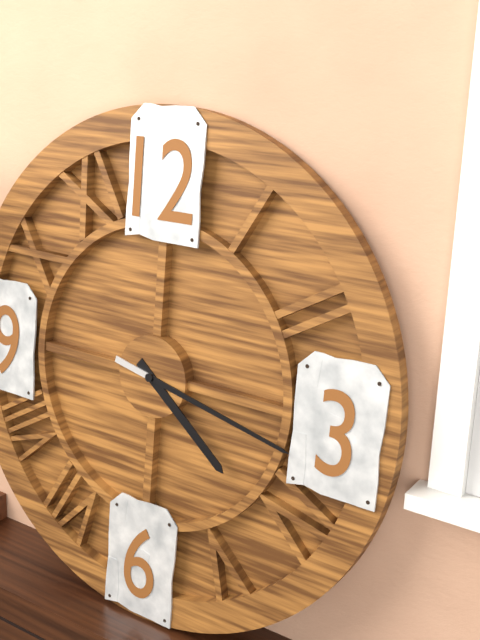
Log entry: 4:17
